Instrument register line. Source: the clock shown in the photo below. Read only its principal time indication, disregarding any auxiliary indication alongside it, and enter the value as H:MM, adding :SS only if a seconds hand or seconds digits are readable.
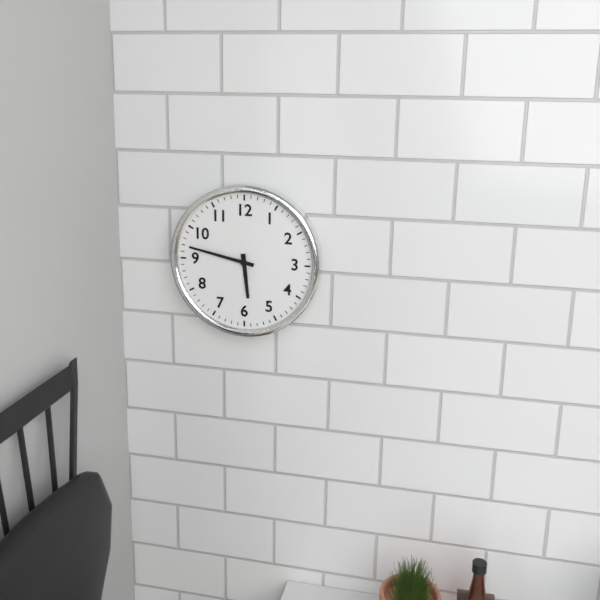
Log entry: 5:47
